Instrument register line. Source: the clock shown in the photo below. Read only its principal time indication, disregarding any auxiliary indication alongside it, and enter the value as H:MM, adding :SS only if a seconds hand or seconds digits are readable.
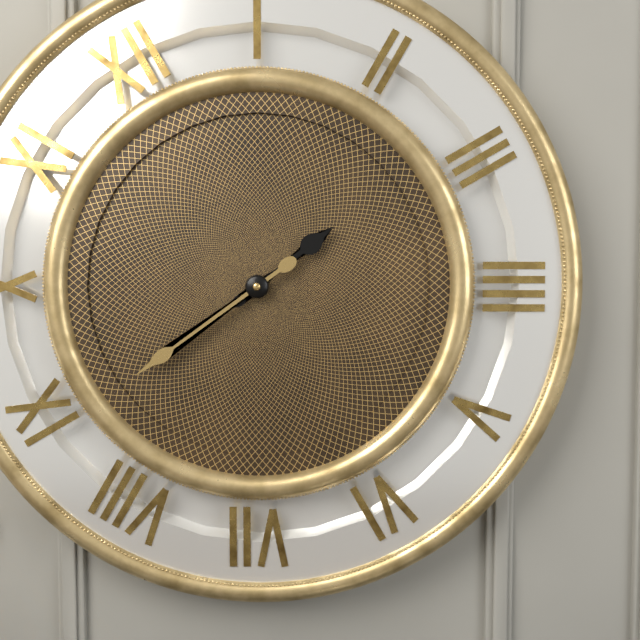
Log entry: 2:44
